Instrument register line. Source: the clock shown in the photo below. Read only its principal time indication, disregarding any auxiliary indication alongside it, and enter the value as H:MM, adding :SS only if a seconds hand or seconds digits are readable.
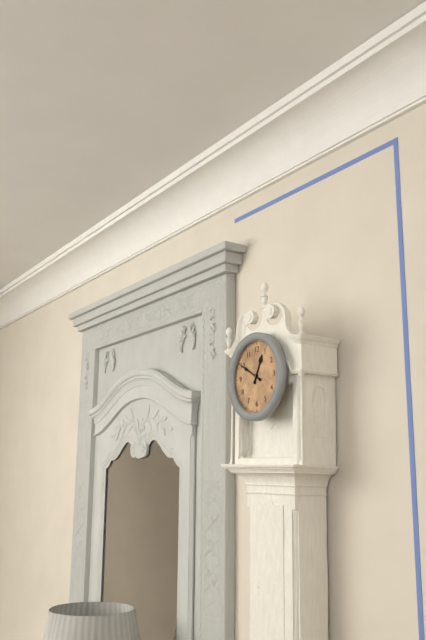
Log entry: 12:50
